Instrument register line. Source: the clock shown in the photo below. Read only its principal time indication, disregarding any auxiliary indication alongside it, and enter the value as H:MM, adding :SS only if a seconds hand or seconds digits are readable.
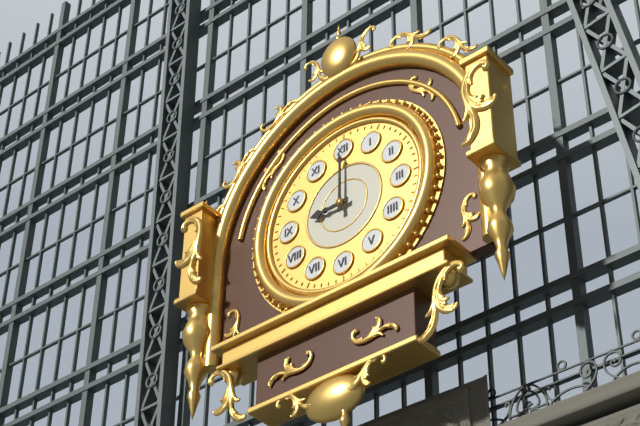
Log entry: 9:00
